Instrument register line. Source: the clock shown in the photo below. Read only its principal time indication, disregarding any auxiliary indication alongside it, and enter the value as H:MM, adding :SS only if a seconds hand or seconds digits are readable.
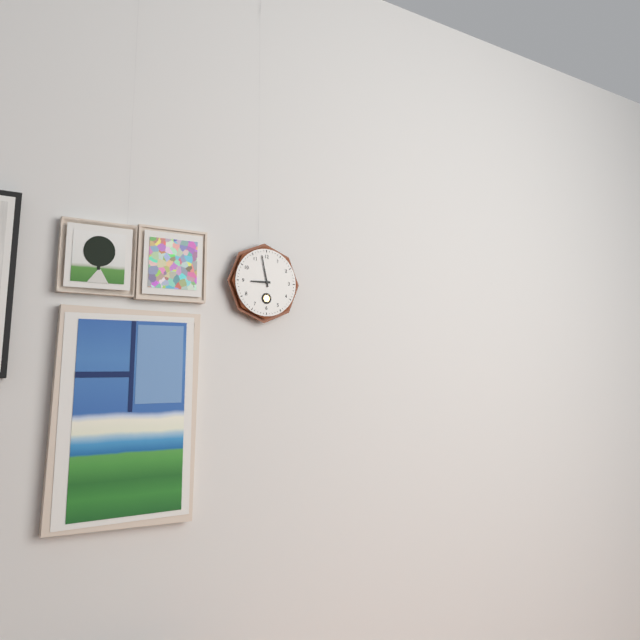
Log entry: 8:58
